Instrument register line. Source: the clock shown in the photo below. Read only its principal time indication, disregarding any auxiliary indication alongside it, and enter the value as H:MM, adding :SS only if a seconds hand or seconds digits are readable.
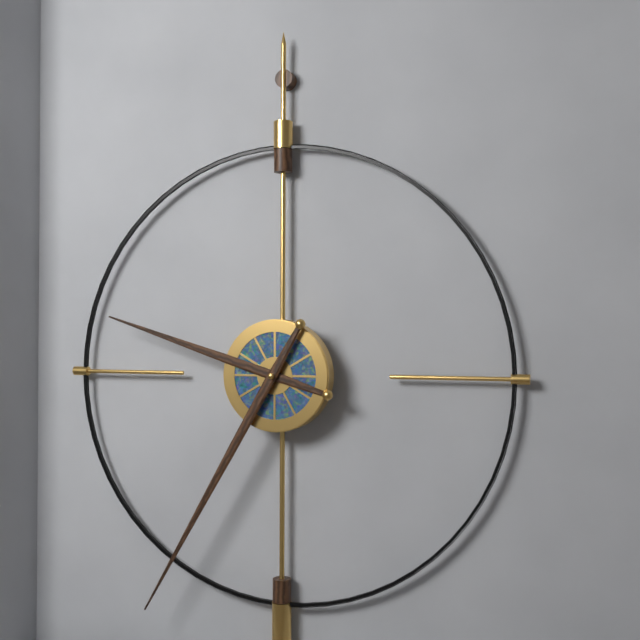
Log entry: 9:35
